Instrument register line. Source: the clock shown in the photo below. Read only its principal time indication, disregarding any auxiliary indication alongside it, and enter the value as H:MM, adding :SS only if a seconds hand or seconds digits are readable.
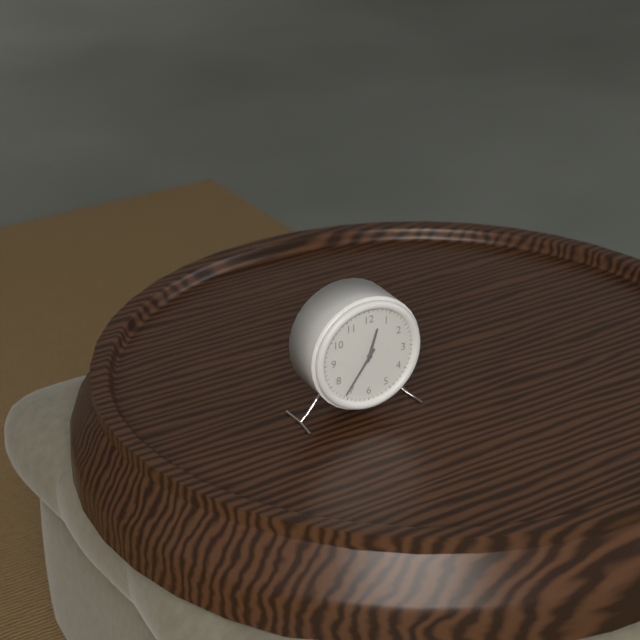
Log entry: 12:36
